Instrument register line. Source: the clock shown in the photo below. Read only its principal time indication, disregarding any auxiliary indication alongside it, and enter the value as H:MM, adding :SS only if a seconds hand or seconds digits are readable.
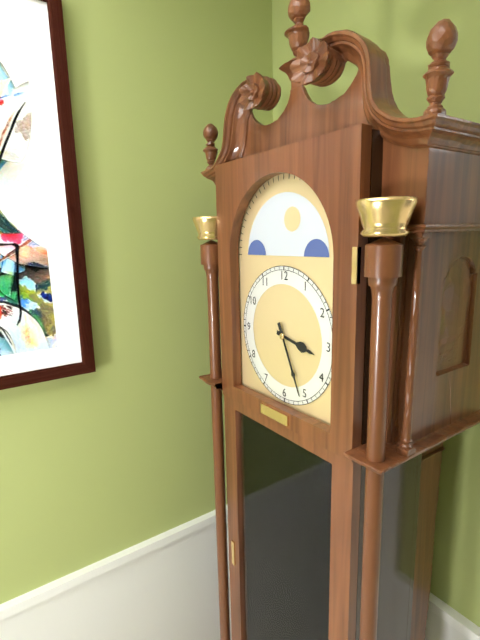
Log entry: 3:26
